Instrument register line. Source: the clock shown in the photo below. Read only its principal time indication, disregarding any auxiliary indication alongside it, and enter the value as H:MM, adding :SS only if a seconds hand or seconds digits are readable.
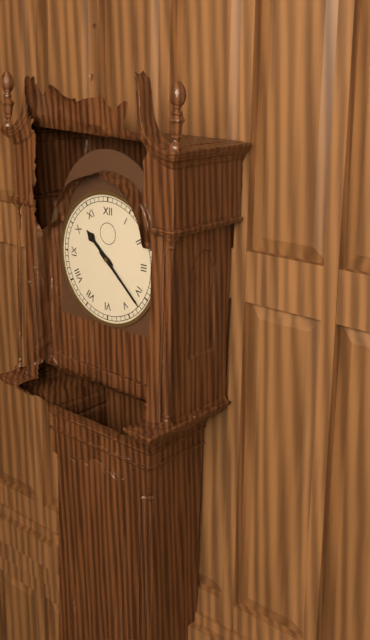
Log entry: 10:22
